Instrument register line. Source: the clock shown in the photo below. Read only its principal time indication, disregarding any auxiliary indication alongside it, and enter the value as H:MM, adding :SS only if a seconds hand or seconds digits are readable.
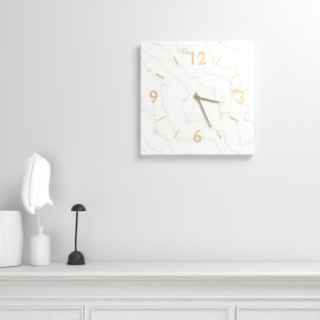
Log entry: 3:26
